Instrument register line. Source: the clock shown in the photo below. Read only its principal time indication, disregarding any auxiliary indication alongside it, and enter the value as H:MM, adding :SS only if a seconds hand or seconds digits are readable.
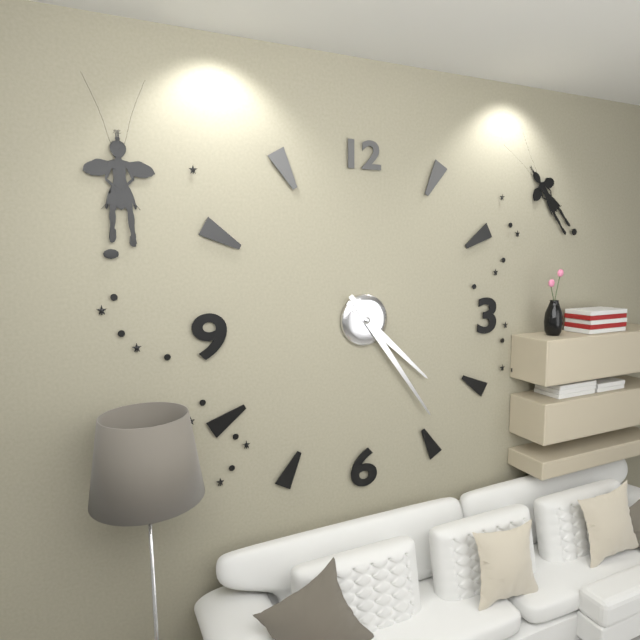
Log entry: 4:24
